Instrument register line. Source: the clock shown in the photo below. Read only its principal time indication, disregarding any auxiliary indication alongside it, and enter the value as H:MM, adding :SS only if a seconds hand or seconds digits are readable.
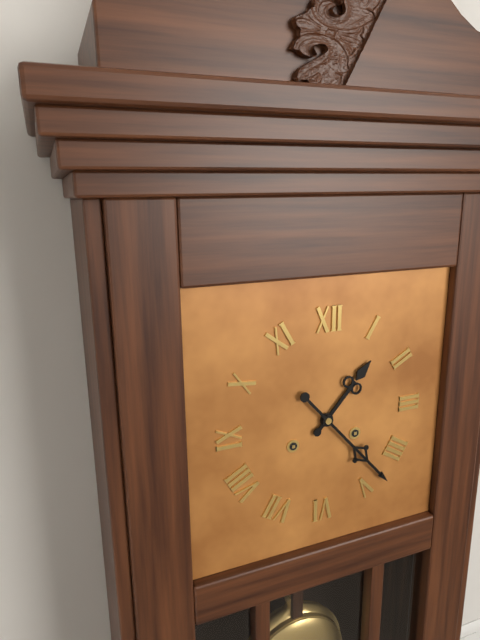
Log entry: 1:23
